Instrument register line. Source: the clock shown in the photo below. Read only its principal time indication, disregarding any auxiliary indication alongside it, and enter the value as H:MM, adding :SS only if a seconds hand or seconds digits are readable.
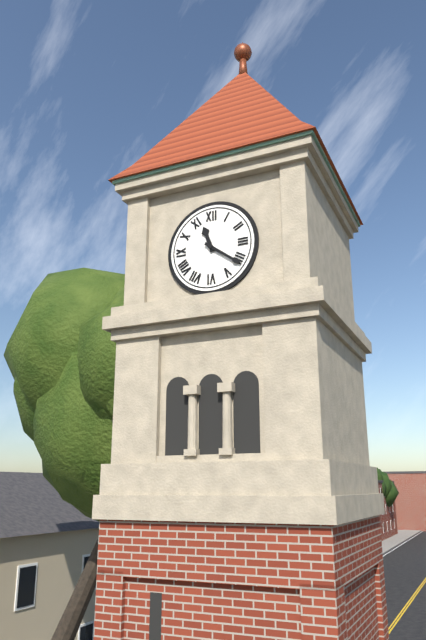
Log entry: 11:21
